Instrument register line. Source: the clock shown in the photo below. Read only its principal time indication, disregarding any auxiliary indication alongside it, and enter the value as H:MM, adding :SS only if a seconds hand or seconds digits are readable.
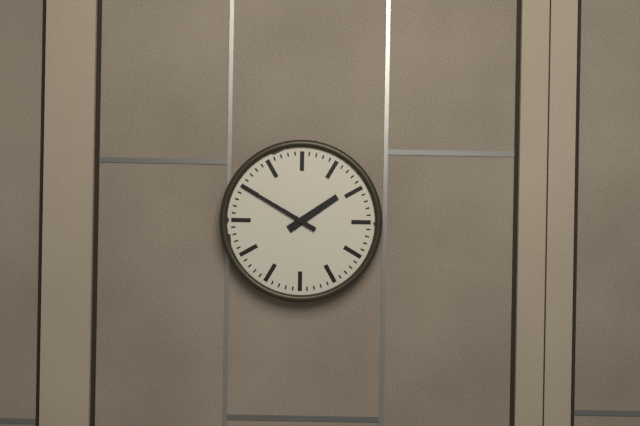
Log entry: 1:50
